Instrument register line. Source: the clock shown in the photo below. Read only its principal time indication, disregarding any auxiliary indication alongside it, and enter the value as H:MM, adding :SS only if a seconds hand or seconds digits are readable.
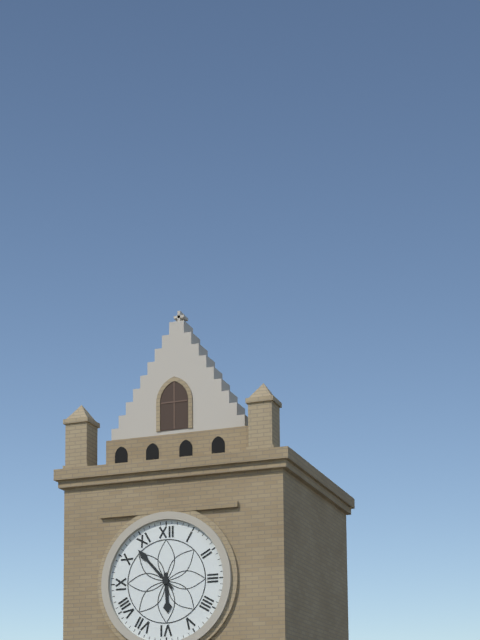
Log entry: 5:53
